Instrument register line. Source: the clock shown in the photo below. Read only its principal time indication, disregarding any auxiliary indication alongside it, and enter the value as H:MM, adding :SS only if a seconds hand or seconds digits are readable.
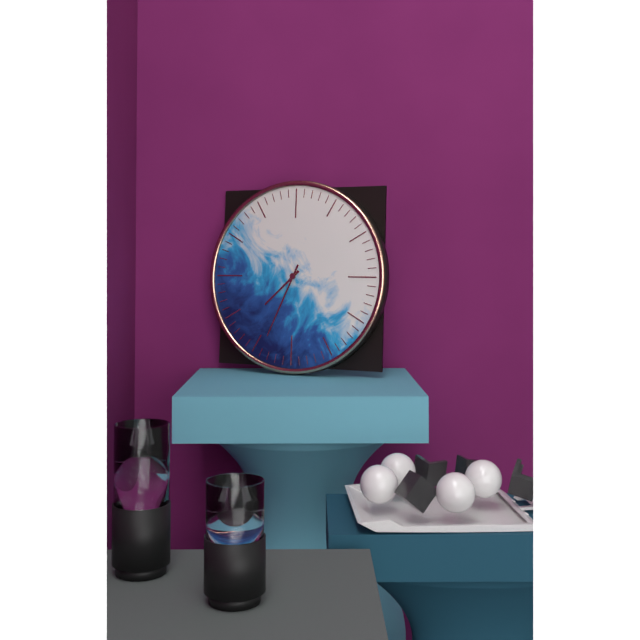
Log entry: 7:34
